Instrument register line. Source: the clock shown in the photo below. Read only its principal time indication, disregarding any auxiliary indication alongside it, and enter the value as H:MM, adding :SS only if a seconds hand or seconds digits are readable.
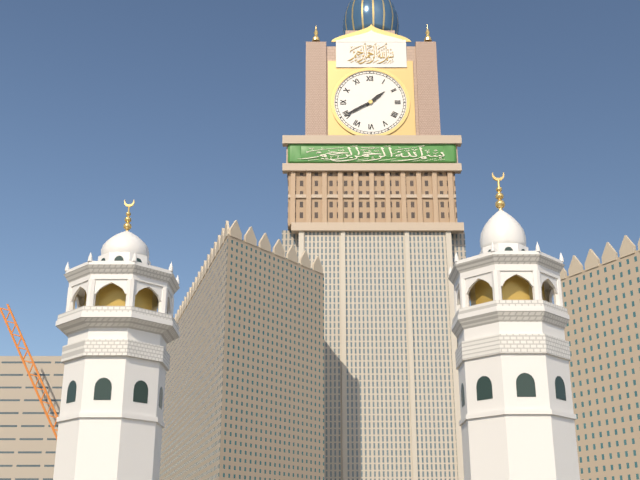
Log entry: 1:40
